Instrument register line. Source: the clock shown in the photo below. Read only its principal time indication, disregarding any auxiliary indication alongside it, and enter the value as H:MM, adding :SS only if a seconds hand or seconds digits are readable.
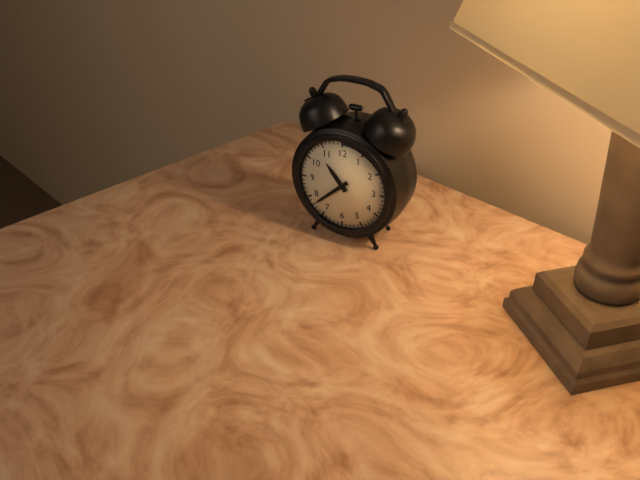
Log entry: 10:38
